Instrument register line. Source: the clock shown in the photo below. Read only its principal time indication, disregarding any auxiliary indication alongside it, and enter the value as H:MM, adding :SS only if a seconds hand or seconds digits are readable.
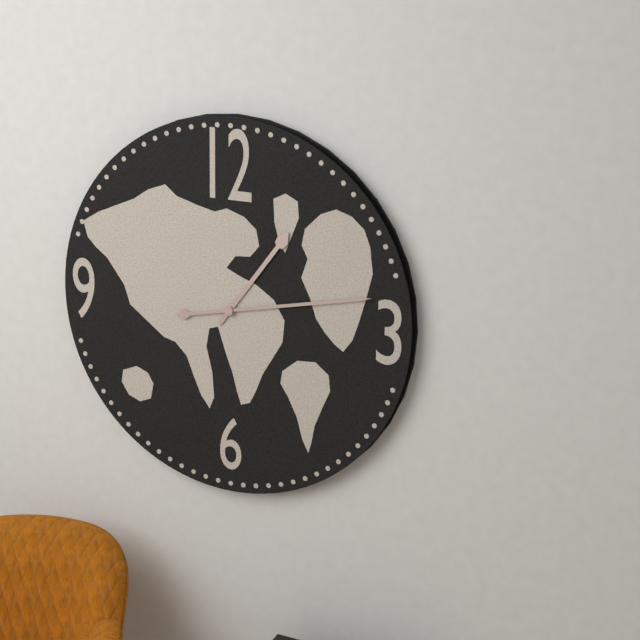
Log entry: 1:13
